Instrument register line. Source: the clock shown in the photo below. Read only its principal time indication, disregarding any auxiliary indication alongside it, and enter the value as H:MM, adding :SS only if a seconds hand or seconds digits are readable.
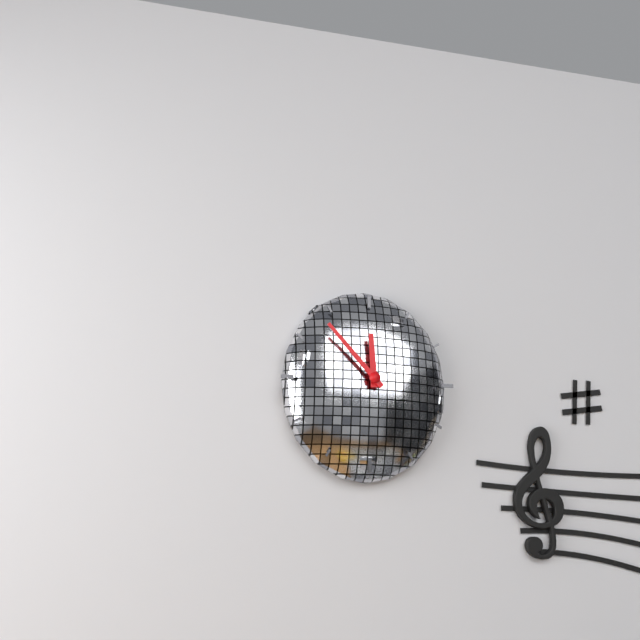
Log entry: 11:53
